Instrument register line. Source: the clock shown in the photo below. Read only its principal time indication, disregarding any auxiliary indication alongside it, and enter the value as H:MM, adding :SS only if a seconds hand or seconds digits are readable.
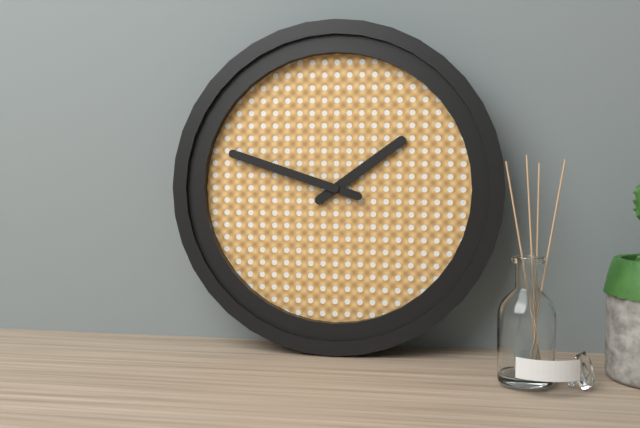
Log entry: 1:48
